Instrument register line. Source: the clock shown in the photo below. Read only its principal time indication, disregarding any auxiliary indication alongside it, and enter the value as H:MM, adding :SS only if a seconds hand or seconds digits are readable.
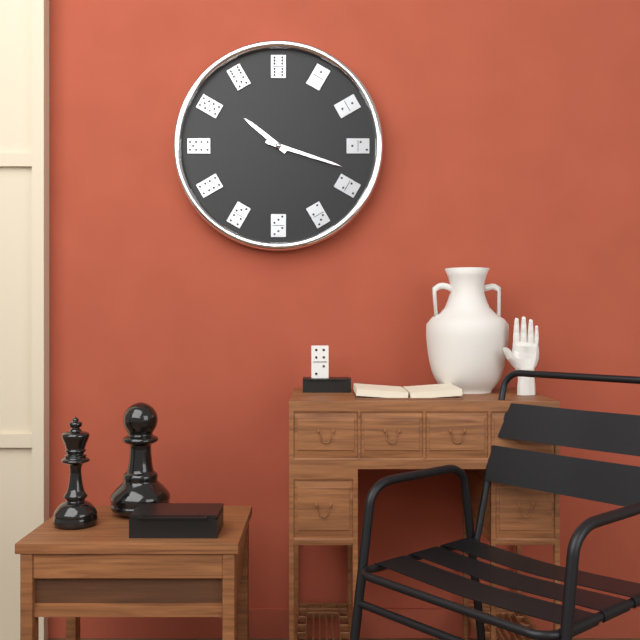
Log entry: 10:18
